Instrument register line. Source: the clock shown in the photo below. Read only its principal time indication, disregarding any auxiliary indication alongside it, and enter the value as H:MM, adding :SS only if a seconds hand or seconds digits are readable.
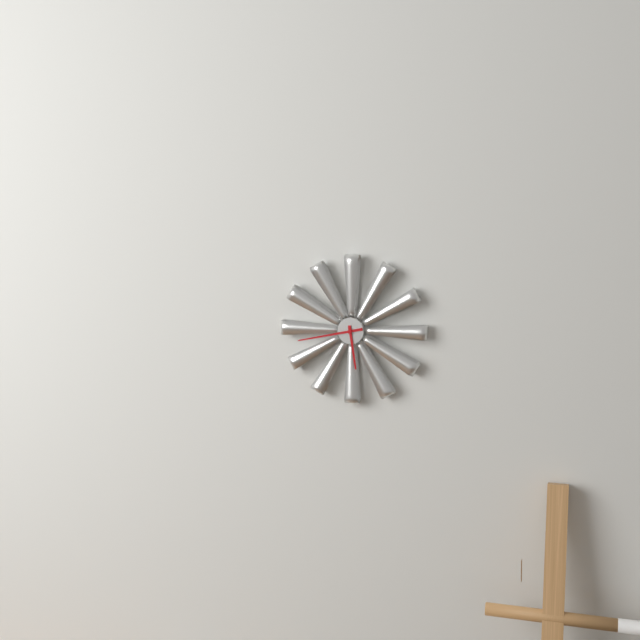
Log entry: 5:43
